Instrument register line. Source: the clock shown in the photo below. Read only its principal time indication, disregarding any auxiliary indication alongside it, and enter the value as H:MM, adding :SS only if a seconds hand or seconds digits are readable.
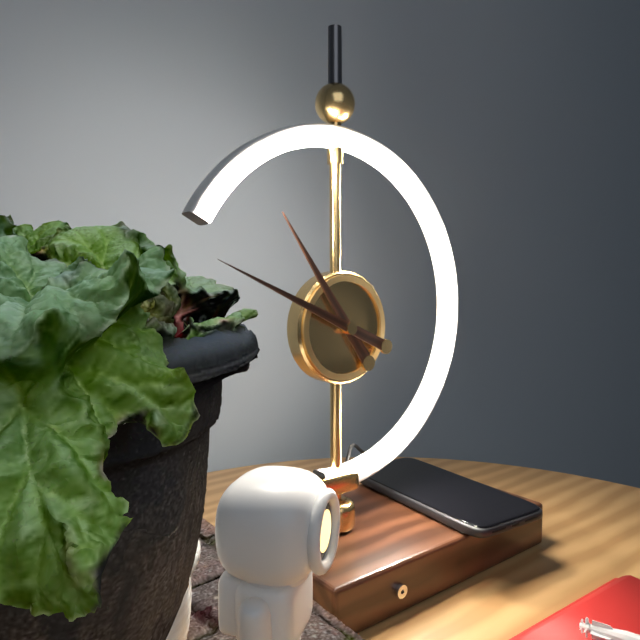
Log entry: 10:49
